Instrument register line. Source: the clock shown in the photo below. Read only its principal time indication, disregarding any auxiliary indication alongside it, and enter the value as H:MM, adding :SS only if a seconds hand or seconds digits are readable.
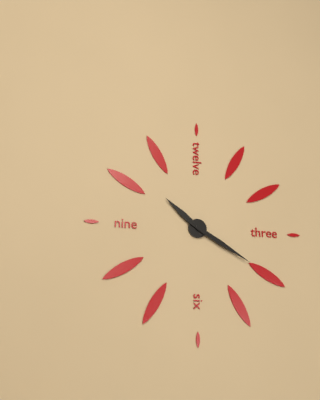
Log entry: 10:20
